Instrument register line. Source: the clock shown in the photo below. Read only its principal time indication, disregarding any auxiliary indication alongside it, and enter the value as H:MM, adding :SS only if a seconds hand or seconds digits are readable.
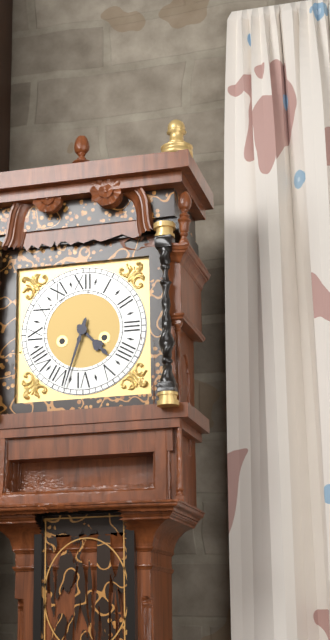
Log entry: 4:33
